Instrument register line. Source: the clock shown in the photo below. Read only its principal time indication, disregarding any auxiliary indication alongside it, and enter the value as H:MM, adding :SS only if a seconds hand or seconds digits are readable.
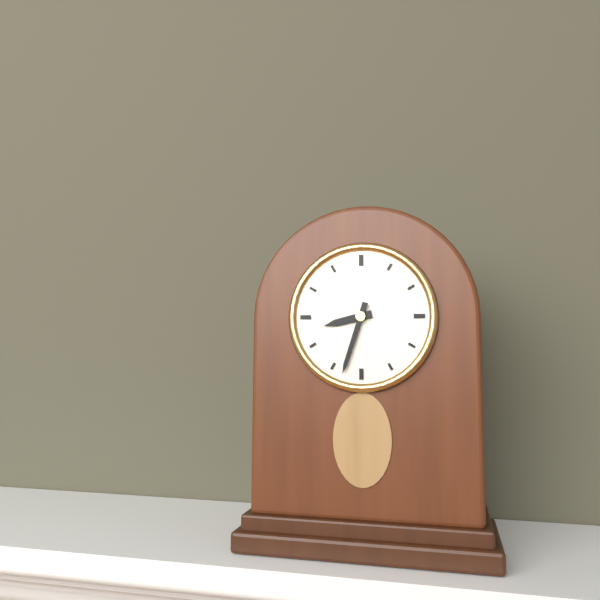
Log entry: 8:33
